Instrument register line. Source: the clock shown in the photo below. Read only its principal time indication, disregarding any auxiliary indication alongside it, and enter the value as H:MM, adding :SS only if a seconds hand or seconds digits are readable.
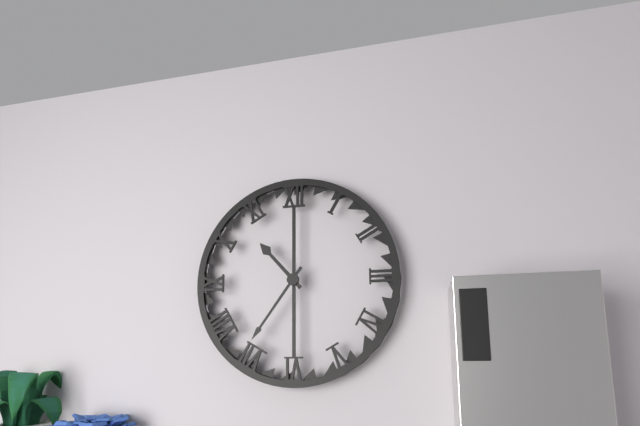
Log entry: 10:36
